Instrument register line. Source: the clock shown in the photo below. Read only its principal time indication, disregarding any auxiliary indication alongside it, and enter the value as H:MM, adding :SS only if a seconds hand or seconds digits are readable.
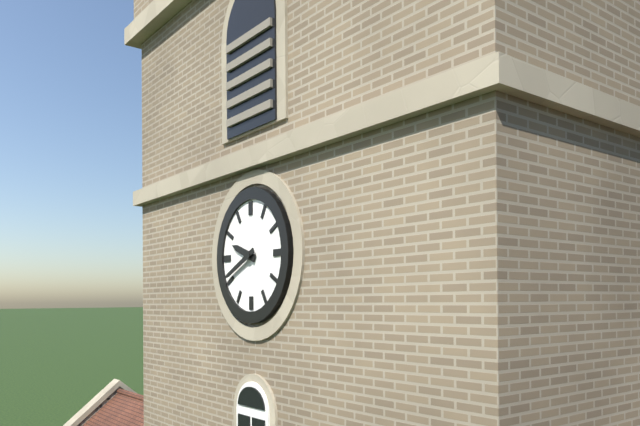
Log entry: 9:41
